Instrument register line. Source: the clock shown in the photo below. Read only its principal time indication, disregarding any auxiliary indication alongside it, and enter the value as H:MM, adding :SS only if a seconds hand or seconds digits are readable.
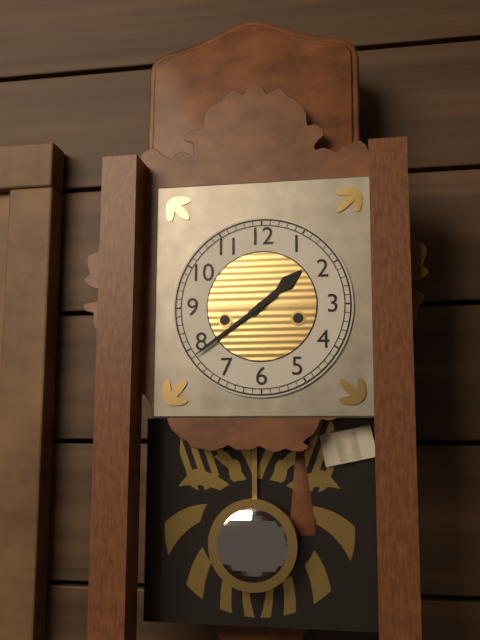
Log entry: 1:39
